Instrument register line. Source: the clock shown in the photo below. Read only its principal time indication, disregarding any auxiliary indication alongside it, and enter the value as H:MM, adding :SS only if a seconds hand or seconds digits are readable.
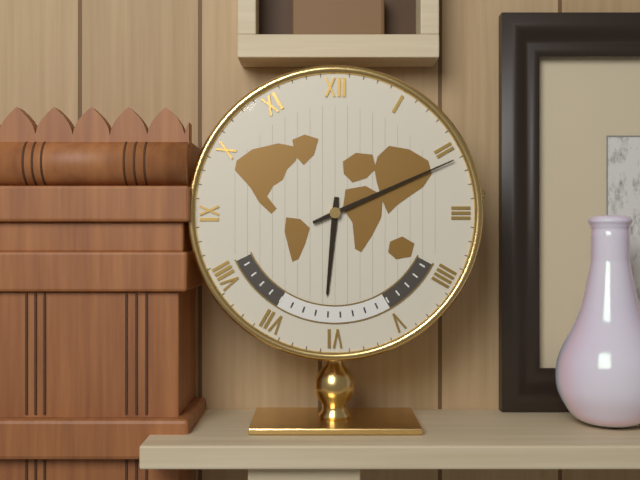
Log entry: 6:11
